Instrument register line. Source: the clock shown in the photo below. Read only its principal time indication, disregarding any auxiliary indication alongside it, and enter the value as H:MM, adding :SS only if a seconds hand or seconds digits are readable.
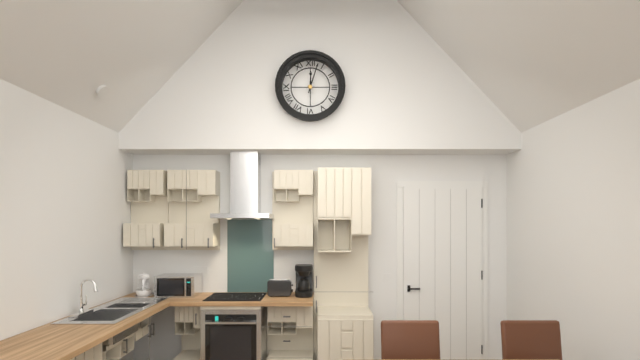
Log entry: 12:03
